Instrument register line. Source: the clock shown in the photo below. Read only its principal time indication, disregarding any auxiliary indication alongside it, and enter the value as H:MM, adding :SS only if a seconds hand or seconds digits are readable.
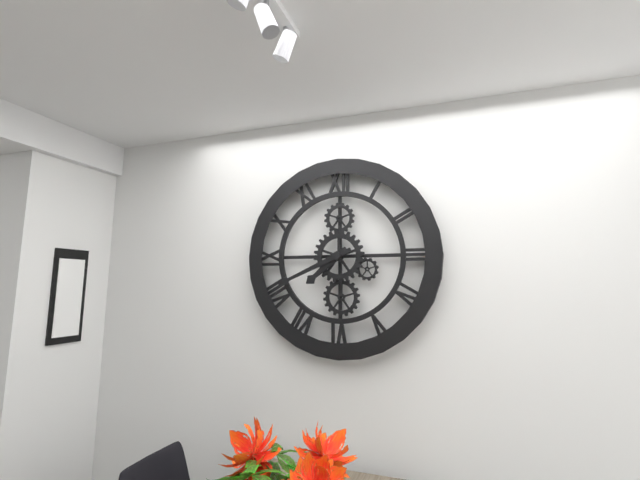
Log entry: 7:41
